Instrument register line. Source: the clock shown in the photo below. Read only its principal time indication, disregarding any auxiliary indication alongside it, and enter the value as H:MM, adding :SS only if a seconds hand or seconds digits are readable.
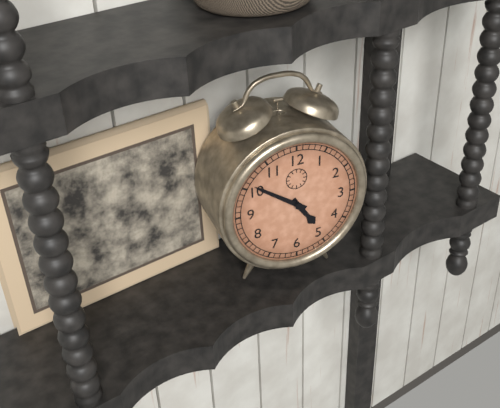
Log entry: 4:51
